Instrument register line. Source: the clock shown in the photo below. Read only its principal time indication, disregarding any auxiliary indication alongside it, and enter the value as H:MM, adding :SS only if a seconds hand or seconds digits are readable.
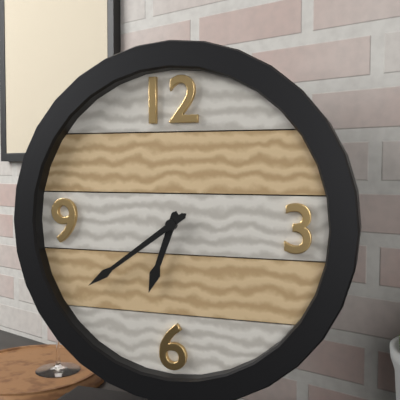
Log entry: 6:39
